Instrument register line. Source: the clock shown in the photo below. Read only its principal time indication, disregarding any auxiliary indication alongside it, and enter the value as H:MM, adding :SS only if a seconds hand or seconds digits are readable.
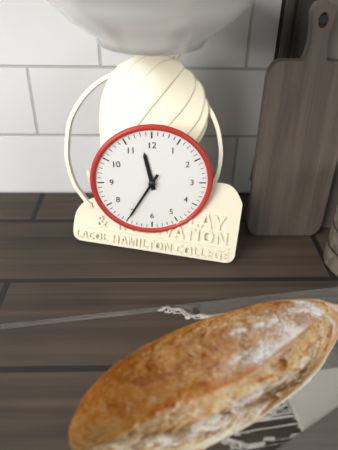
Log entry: 11:35
